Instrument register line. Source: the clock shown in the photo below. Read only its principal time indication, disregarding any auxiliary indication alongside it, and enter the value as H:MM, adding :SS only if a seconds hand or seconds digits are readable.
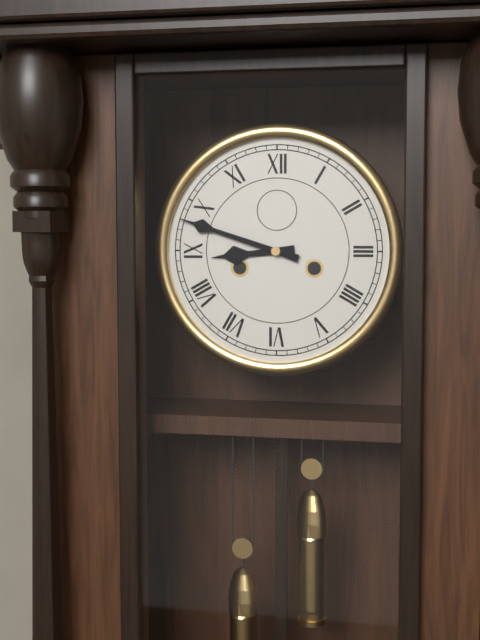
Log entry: 8:48
